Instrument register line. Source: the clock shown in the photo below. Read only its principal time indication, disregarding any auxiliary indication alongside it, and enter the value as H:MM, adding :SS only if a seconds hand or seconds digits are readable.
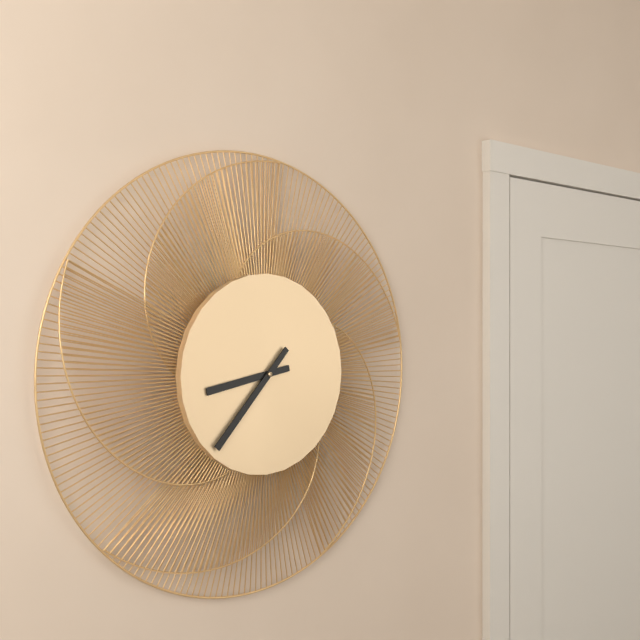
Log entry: 8:37
